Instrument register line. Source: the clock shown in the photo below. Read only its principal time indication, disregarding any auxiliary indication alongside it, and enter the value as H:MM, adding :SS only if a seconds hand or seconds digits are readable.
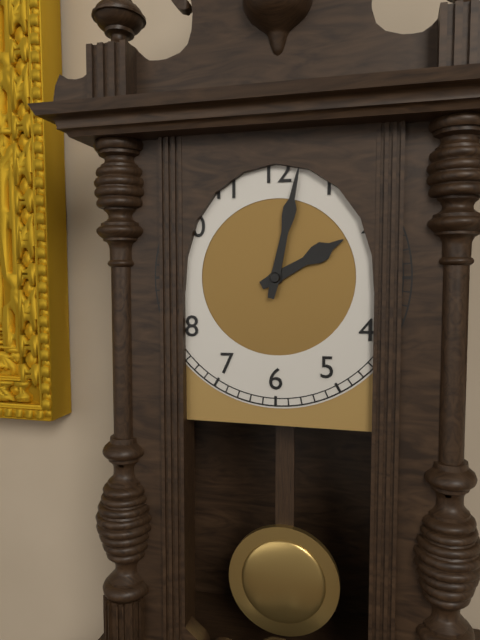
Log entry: 2:02
